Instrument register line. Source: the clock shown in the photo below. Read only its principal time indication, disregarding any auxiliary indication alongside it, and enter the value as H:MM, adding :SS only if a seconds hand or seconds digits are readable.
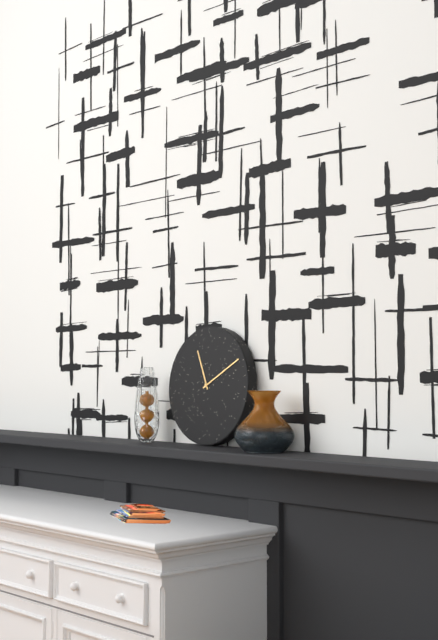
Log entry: 11:10
